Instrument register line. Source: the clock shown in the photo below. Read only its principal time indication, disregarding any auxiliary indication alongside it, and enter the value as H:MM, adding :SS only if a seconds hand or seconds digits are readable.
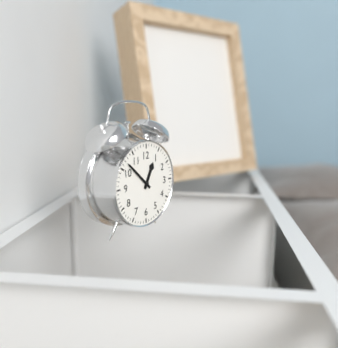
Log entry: 12:52
